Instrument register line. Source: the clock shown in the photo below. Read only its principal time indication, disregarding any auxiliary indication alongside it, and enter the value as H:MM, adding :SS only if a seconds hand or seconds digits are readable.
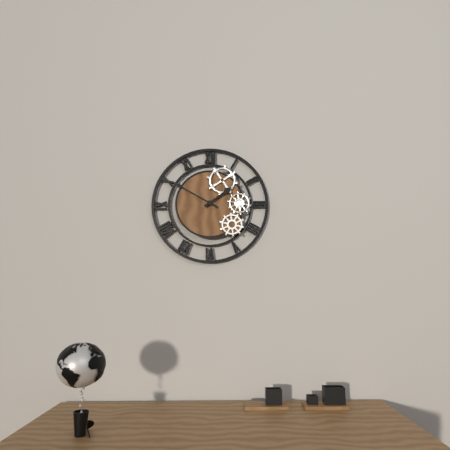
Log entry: 1:50
